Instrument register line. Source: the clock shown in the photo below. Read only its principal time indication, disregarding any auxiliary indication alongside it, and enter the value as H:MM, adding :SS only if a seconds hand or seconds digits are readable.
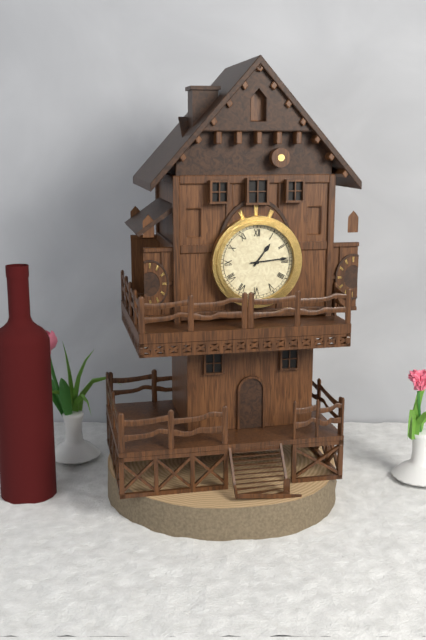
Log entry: 1:14
